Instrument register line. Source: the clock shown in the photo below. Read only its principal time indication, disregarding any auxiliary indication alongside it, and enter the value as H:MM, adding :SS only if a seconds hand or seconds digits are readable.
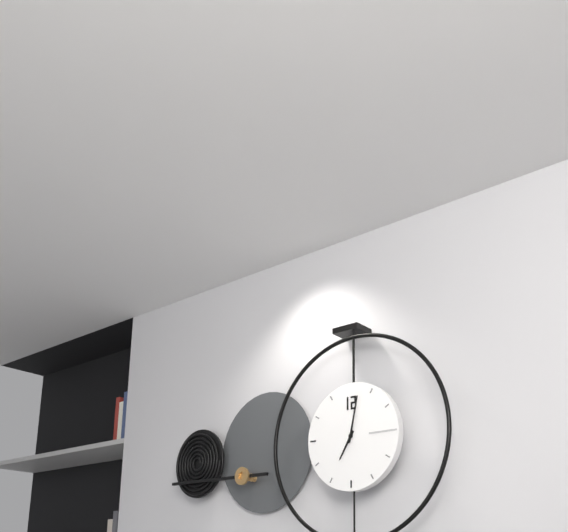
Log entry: 7:02
